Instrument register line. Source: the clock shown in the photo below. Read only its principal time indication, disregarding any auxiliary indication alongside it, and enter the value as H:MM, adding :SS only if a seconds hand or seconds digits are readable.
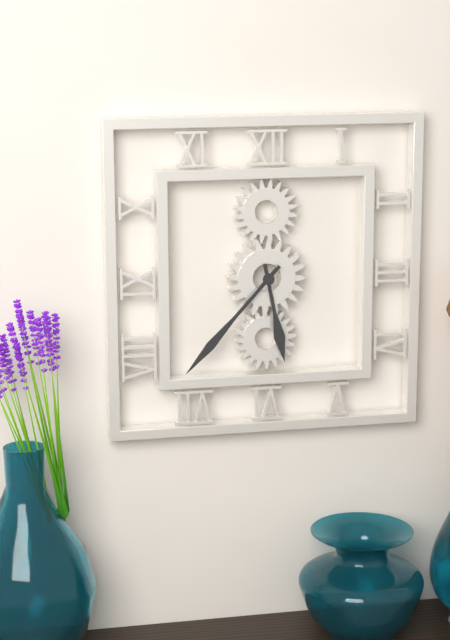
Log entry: 5:37
